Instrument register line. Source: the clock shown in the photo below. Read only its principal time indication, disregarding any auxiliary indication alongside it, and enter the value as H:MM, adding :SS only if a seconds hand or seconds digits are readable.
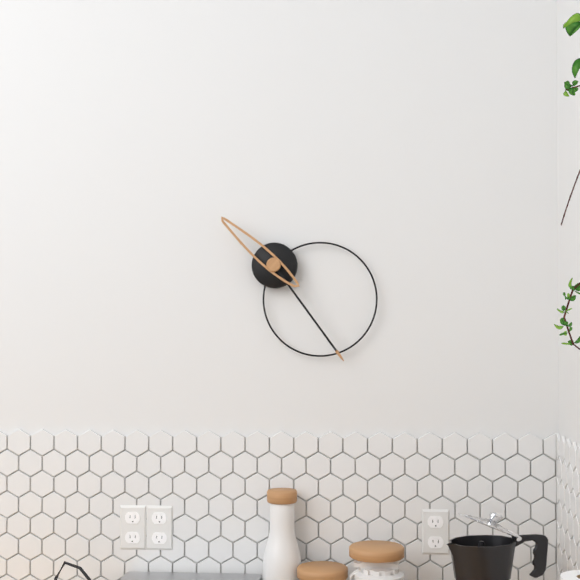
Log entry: 10:24
